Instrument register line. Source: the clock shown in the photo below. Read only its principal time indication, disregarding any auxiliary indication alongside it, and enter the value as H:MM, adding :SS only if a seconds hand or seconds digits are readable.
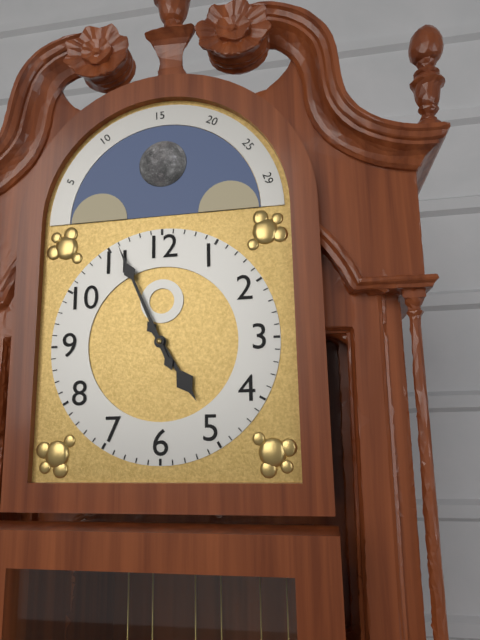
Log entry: 4:56
